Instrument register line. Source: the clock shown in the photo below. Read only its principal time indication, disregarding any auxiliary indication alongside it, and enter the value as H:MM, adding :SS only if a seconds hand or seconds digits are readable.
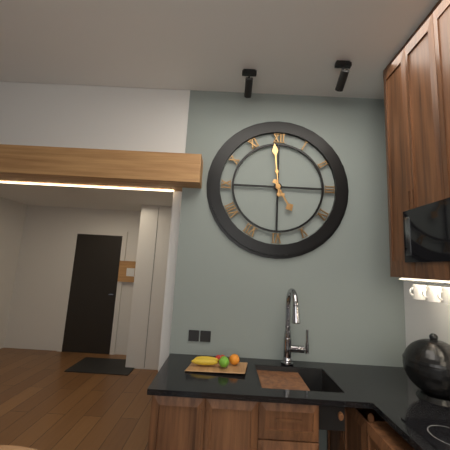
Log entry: 4:59
